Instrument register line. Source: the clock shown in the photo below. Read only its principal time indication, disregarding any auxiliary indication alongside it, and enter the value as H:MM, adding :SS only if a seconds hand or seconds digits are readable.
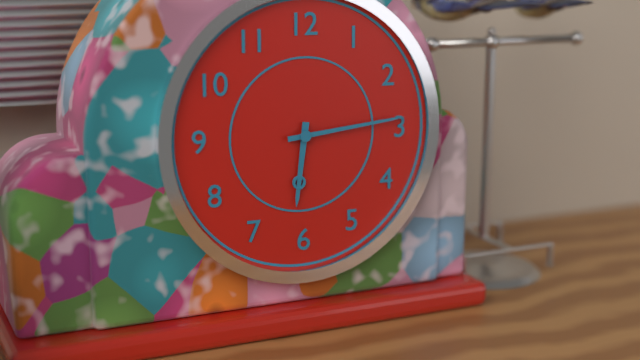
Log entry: 6:14
